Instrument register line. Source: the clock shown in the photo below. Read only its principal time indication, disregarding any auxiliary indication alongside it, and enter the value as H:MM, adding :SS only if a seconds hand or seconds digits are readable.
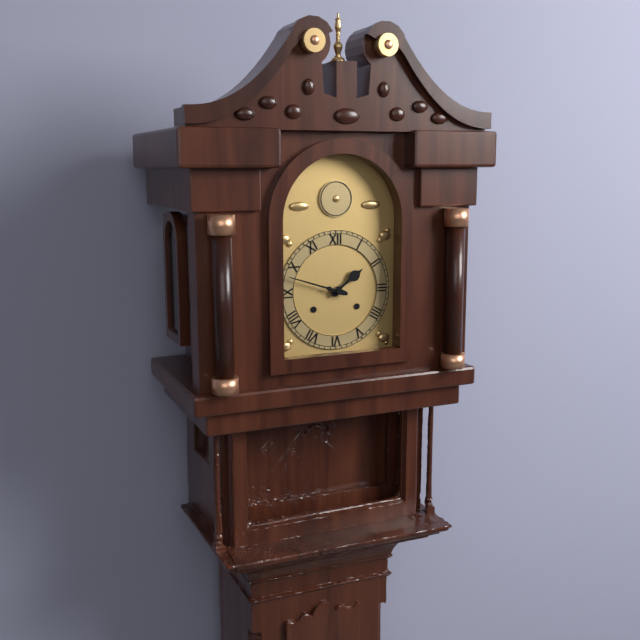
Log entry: 1:48
